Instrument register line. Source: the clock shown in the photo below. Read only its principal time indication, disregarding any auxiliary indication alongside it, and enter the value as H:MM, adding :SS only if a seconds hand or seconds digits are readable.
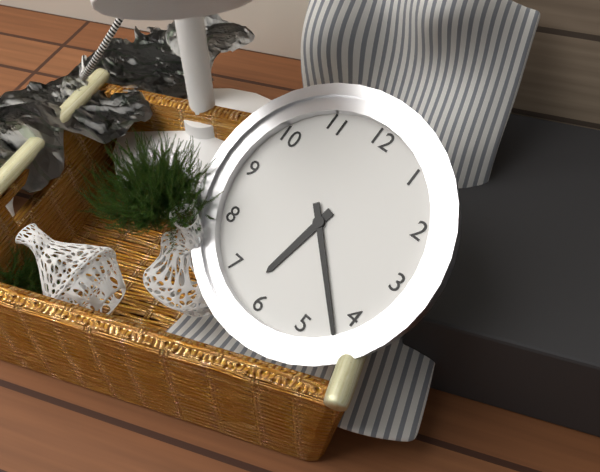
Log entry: 6:22
